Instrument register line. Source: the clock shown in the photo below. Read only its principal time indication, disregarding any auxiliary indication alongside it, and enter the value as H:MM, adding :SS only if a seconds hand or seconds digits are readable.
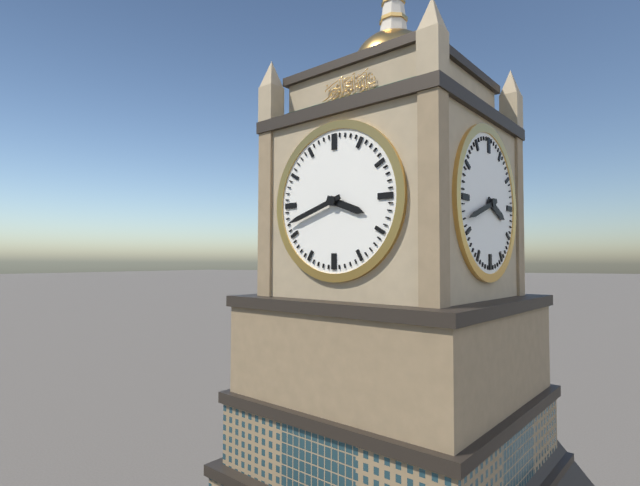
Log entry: 3:42
